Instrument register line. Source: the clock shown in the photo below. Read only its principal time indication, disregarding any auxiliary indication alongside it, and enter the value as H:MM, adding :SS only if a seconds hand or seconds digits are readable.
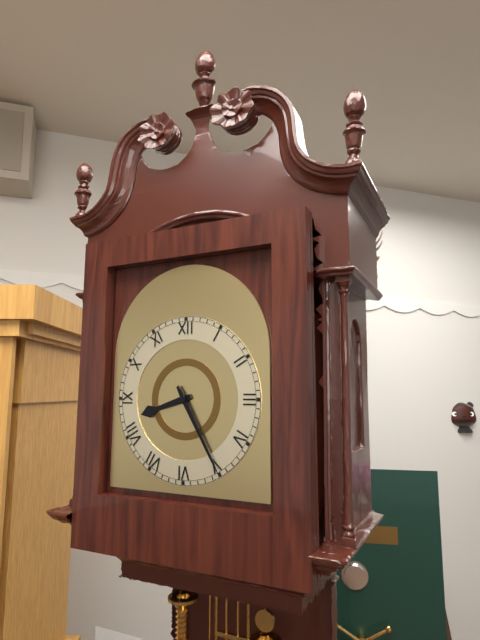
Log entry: 8:25
